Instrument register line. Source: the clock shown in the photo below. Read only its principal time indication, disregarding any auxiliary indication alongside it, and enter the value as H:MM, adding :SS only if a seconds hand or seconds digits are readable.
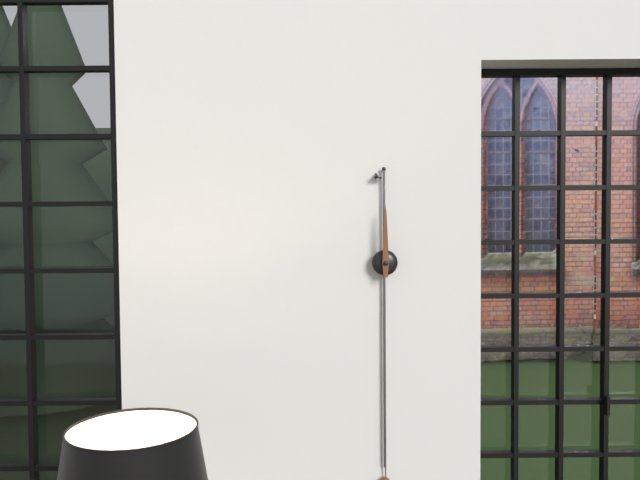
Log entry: 12:00
